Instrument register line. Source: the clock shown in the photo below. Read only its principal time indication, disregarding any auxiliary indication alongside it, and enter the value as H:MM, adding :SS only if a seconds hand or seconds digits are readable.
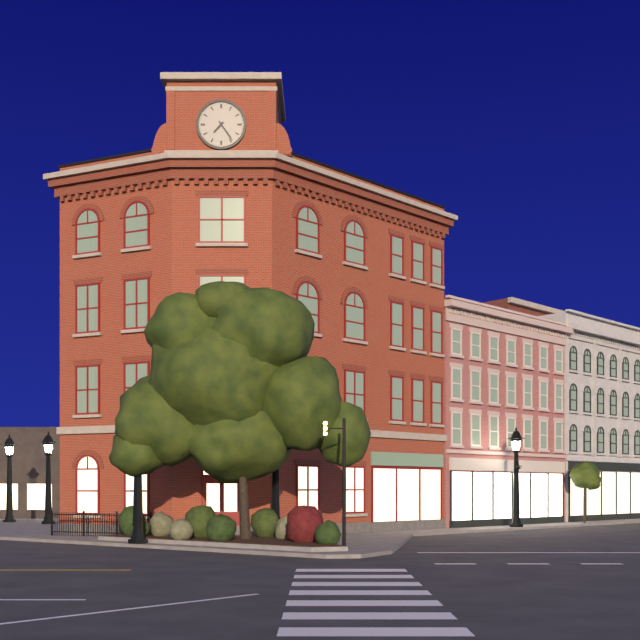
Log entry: 7:24
